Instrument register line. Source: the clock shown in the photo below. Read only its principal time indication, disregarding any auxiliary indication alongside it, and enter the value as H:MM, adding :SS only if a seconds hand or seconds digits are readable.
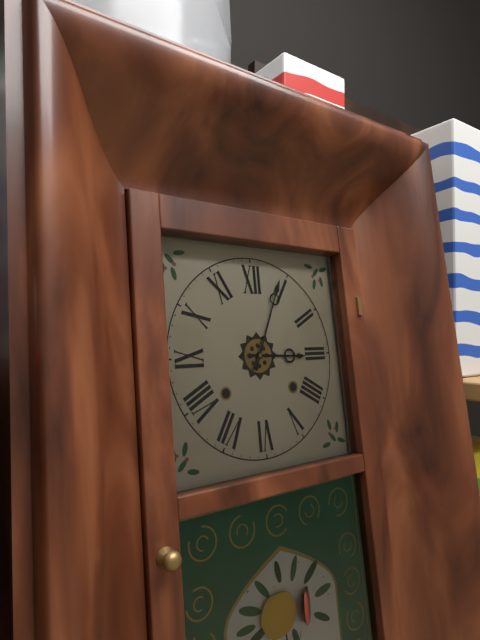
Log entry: 3:04
